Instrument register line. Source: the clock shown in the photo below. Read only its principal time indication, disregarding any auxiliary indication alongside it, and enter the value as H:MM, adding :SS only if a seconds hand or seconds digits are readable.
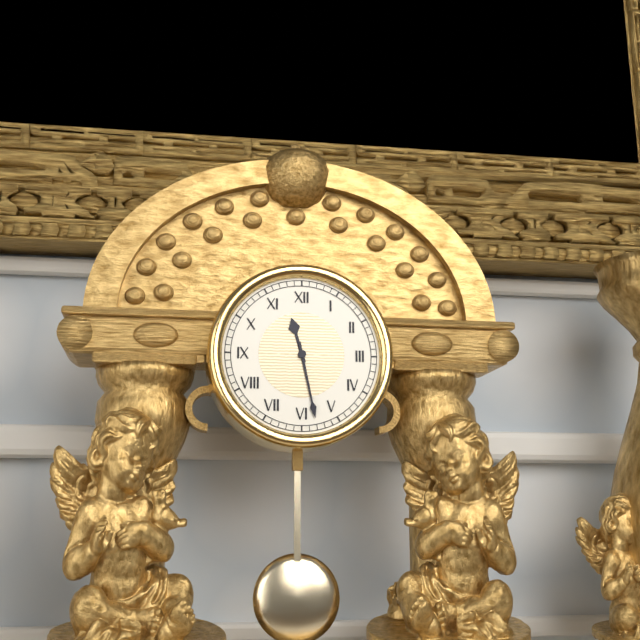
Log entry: 11:28
